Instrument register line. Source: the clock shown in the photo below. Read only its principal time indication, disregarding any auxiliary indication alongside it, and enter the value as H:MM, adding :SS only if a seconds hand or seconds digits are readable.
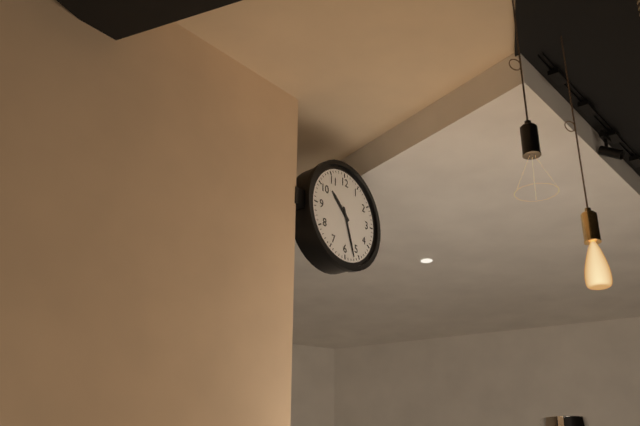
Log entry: 10:27
